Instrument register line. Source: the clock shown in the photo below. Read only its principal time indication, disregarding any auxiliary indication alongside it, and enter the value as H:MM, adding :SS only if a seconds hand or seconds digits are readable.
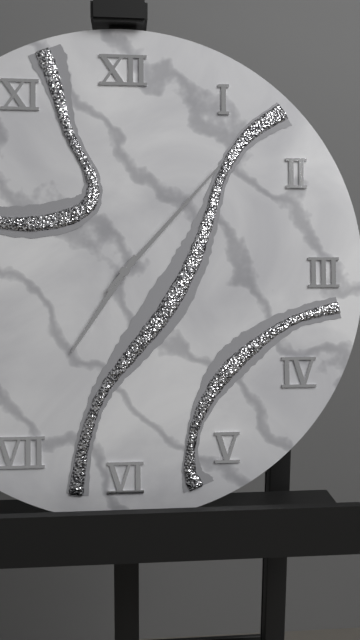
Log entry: 7:07
